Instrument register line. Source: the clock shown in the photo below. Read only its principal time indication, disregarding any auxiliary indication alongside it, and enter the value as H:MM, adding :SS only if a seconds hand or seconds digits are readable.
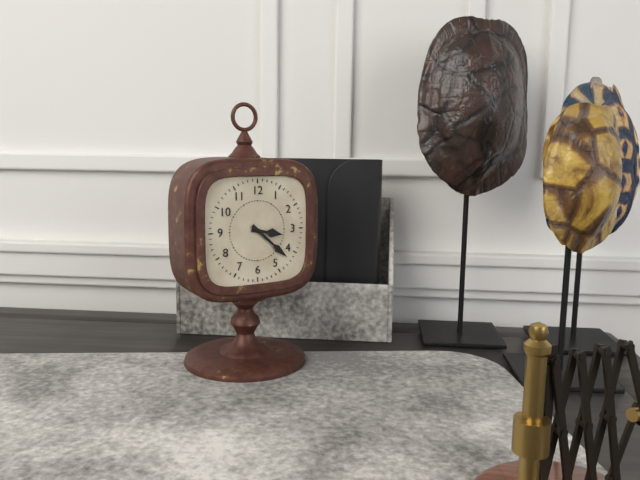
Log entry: 3:22
